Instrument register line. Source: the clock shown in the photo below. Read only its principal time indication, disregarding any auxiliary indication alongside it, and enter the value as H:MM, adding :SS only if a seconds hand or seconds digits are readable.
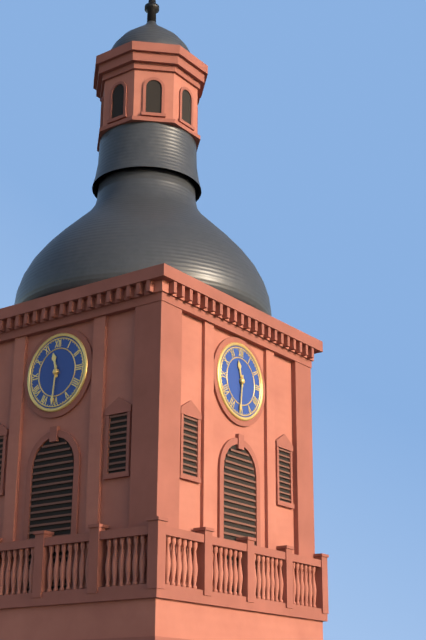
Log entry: 11:31
